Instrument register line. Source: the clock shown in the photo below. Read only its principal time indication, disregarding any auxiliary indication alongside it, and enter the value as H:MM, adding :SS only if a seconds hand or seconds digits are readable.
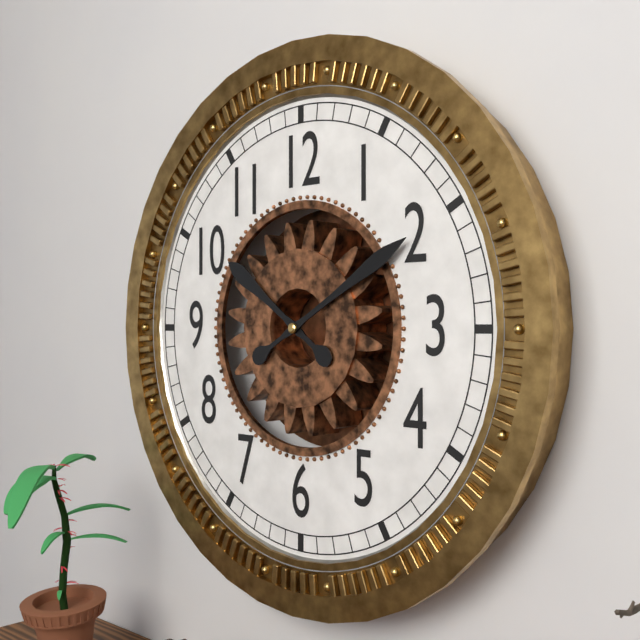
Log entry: 10:10
